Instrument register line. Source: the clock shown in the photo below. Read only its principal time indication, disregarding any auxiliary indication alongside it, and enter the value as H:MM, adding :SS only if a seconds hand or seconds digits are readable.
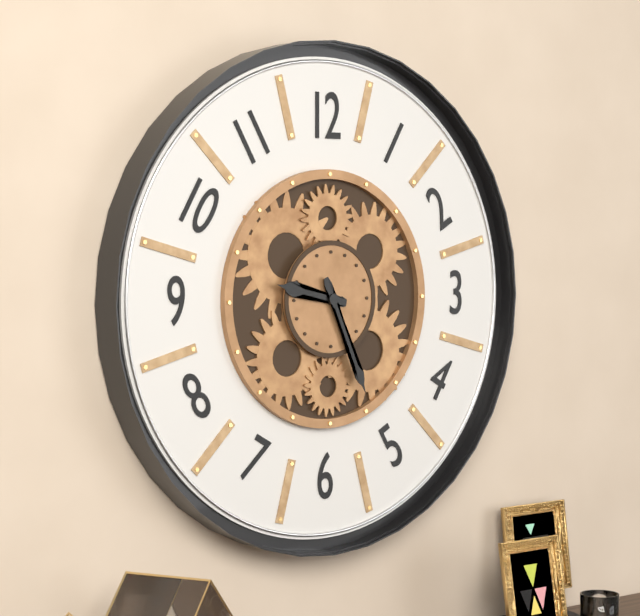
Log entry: 9:26
